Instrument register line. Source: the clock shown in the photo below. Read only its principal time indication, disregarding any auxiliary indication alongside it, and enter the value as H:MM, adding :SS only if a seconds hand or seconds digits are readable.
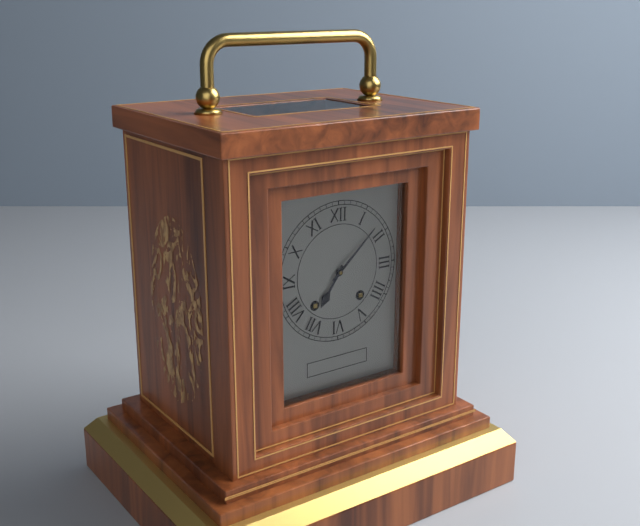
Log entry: 7:08
